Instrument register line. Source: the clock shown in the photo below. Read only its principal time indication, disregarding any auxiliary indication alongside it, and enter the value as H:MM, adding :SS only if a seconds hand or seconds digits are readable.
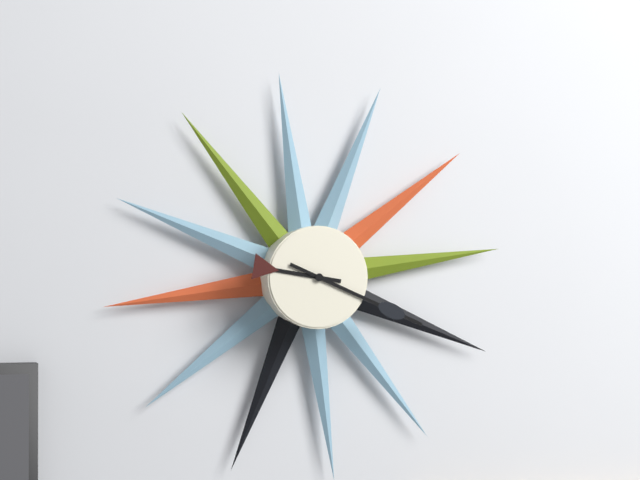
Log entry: 9:19
